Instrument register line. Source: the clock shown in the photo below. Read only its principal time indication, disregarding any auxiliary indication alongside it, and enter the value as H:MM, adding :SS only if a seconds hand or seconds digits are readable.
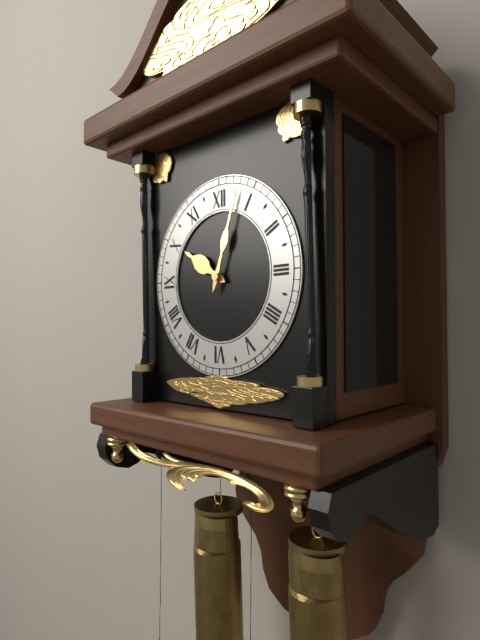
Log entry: 10:03
